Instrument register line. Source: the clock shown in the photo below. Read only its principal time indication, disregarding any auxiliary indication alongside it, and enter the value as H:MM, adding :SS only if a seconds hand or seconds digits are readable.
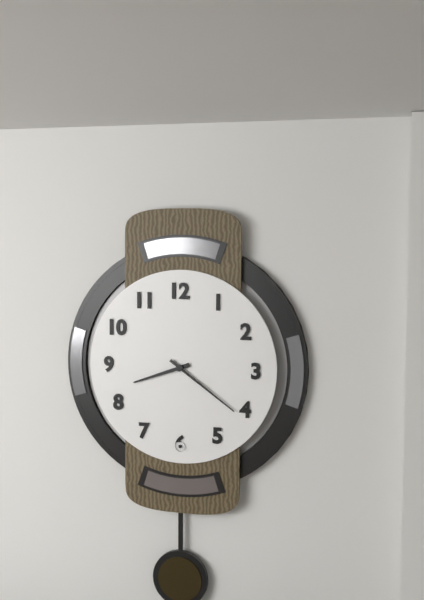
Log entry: 8:21
